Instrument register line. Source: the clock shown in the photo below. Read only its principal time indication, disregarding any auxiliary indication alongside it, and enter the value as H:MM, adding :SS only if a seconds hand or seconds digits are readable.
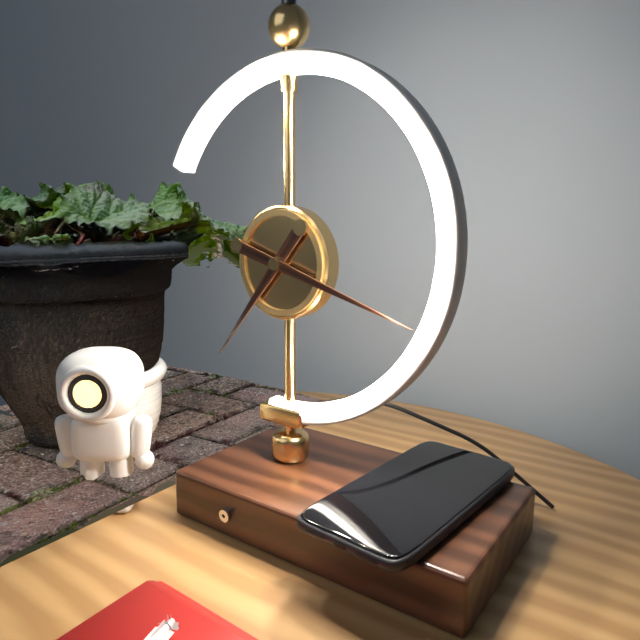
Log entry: 7:18
